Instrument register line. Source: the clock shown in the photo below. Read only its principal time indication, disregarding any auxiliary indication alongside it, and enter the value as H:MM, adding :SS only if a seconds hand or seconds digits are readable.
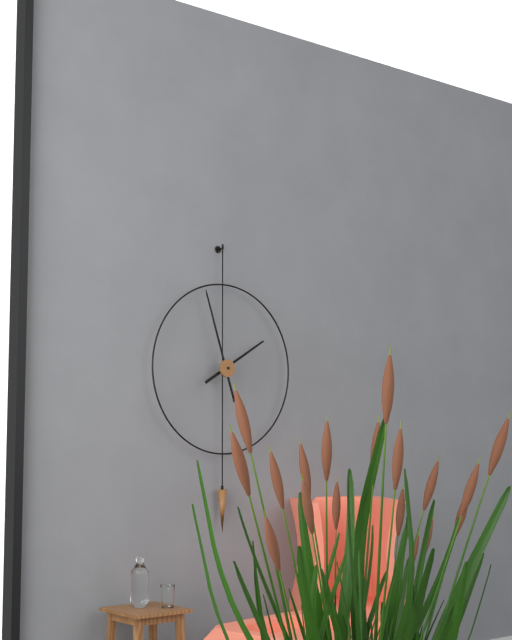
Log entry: 1:57
